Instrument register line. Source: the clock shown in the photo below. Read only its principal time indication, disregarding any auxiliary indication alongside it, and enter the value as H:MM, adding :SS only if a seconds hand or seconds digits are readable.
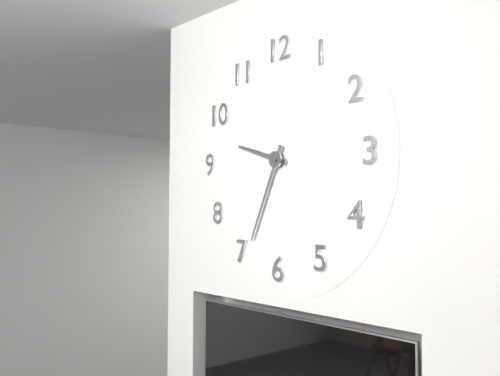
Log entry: 9:34
